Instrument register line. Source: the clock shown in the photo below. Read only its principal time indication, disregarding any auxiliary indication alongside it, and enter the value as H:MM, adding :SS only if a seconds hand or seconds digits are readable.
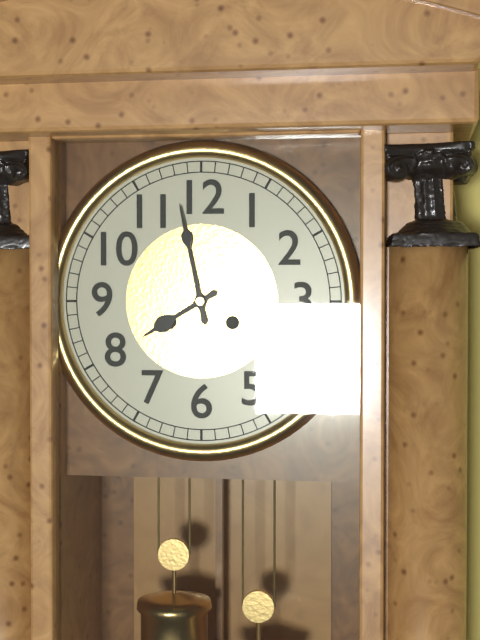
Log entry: 7:58
